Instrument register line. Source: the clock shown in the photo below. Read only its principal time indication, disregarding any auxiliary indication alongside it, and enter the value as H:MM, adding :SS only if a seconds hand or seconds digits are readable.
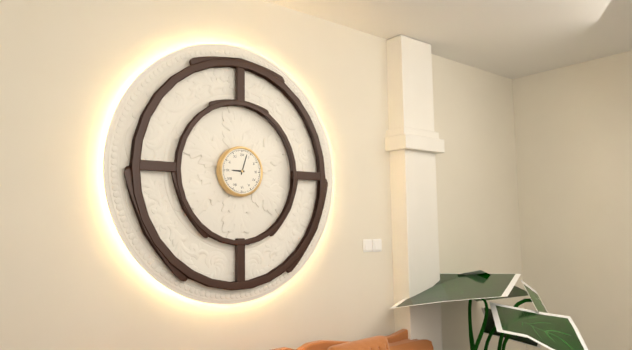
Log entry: 9:03
